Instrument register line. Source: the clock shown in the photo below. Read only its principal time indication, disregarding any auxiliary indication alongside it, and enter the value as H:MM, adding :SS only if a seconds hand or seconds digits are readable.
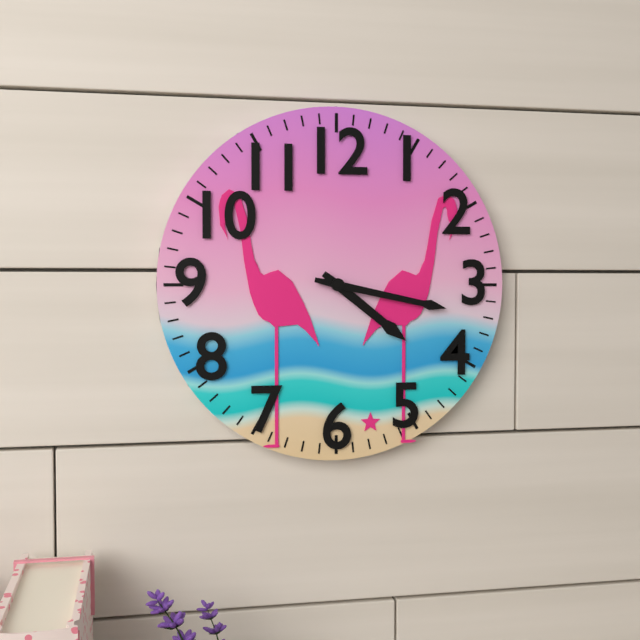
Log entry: 4:17
